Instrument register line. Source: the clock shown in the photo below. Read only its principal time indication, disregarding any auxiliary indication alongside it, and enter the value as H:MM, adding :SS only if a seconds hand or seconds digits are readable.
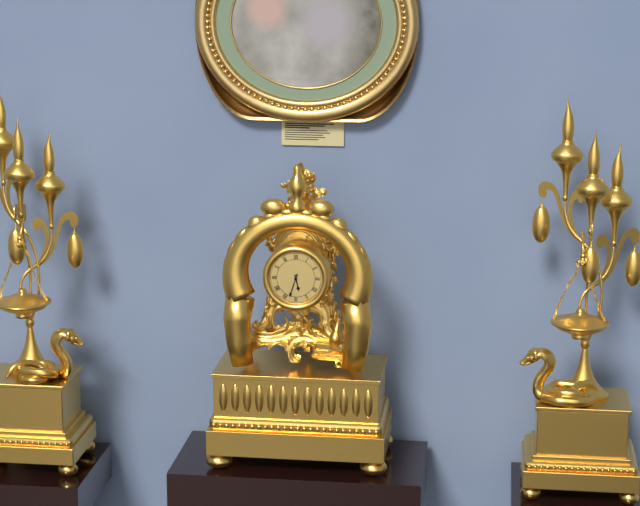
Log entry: 5:33
